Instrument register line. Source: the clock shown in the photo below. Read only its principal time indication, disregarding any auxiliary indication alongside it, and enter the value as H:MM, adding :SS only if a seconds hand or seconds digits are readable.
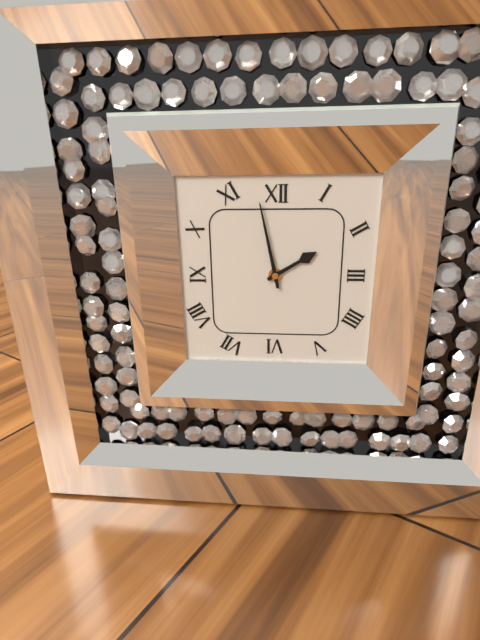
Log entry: 1:58
